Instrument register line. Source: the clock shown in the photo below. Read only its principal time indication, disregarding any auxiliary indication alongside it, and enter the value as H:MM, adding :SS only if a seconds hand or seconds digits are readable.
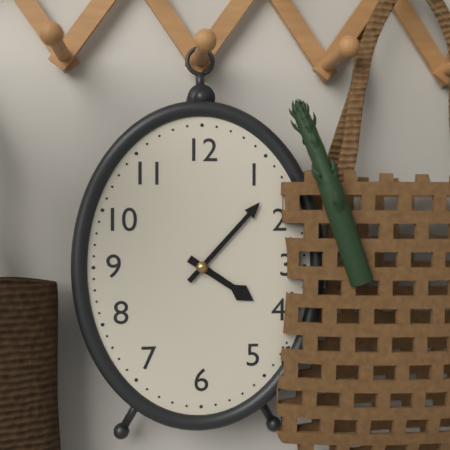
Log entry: 4:07
